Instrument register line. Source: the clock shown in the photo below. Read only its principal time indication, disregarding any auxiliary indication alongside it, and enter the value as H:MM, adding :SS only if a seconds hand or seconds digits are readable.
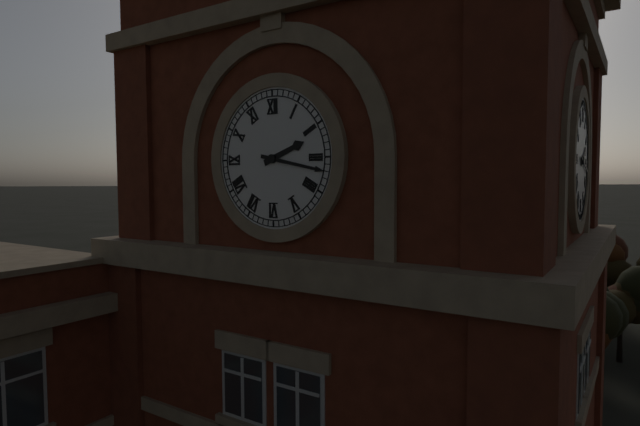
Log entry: 2:17
